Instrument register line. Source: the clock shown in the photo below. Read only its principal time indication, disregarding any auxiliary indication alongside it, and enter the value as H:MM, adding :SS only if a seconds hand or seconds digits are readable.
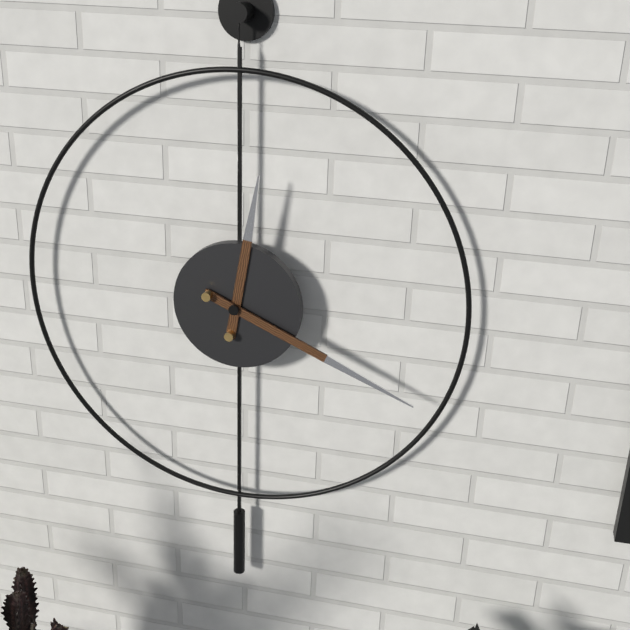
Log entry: 12:19
